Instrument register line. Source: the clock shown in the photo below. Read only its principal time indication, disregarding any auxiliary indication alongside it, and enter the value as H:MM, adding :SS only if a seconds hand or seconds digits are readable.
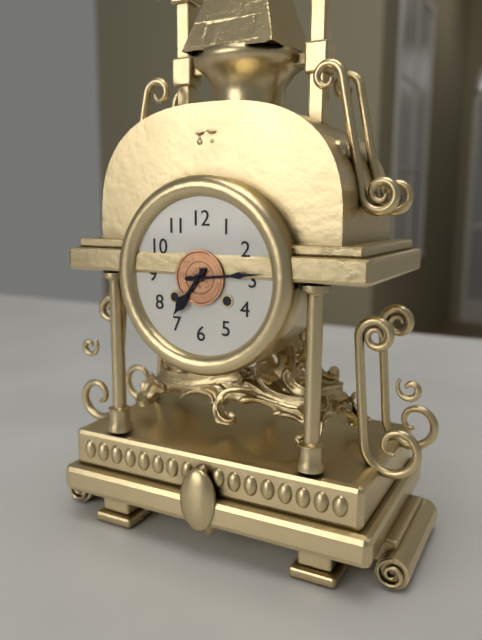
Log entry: 7:14
